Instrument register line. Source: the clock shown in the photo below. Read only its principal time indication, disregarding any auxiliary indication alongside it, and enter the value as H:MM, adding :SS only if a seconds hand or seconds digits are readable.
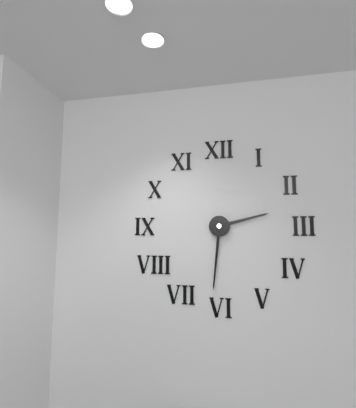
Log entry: 2:31
